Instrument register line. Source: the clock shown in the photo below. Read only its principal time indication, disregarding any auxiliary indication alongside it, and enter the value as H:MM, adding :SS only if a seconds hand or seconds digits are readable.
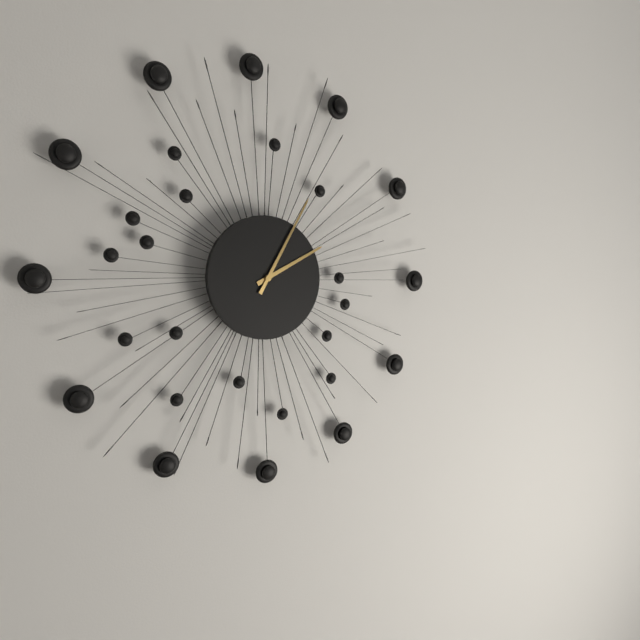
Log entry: 2:05
